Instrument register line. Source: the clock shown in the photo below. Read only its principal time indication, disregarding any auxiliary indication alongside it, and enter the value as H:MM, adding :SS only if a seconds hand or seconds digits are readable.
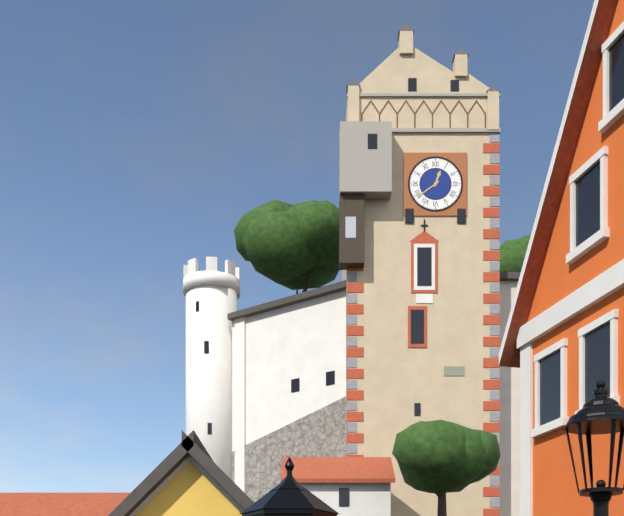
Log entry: 12:39
